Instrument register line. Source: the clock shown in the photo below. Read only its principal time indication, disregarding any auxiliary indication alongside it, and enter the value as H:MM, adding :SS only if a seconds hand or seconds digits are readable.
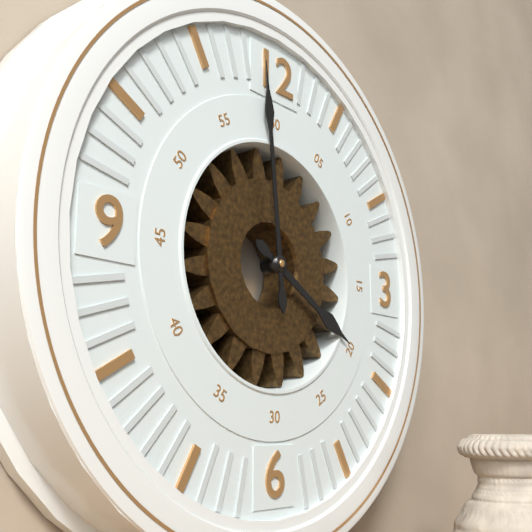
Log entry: 3:59
